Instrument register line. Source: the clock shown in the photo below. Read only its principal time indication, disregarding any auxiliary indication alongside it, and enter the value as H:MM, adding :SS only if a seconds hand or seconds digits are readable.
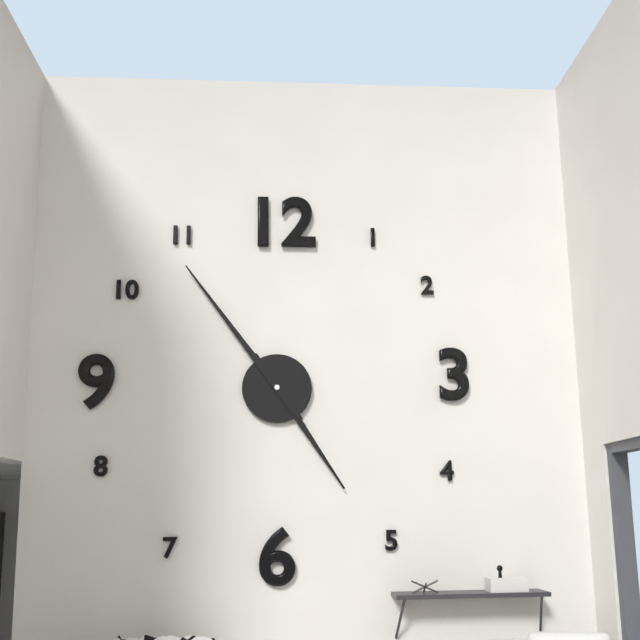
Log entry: 4:54
